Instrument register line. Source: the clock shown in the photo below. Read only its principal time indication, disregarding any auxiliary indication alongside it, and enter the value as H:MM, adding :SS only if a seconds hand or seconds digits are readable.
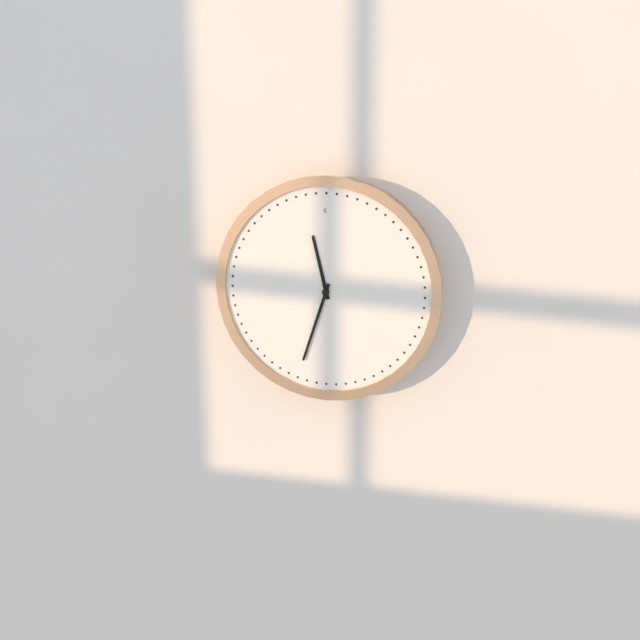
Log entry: 11:33
